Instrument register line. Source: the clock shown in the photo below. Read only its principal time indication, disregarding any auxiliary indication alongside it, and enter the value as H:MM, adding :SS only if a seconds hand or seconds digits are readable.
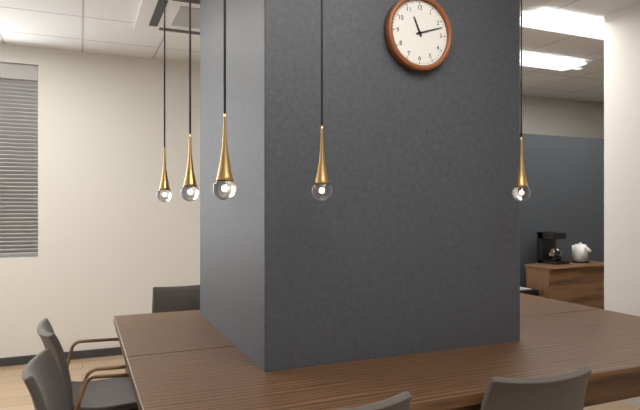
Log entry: 11:12
